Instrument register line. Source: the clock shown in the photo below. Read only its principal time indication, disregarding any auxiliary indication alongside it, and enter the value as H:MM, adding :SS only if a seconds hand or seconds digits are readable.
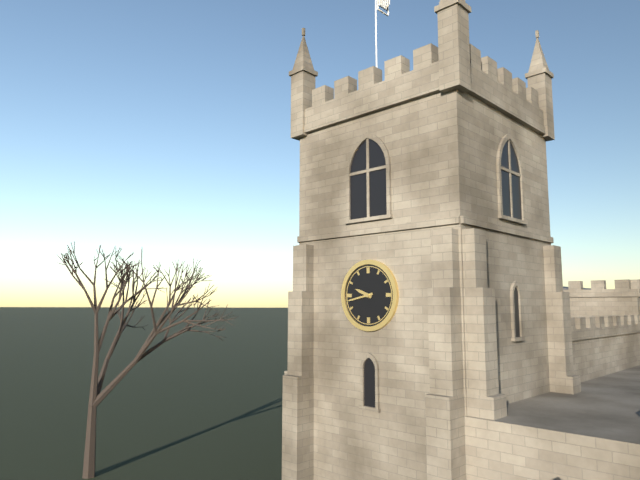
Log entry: 9:43
